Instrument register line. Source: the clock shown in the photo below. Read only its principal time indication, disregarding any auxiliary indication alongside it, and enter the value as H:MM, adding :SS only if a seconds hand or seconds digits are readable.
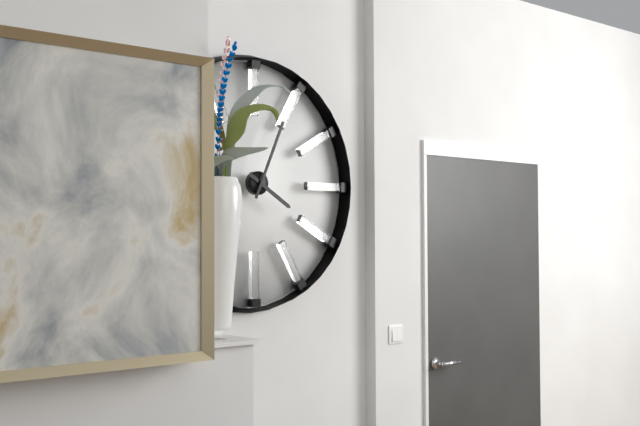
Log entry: 4:04
